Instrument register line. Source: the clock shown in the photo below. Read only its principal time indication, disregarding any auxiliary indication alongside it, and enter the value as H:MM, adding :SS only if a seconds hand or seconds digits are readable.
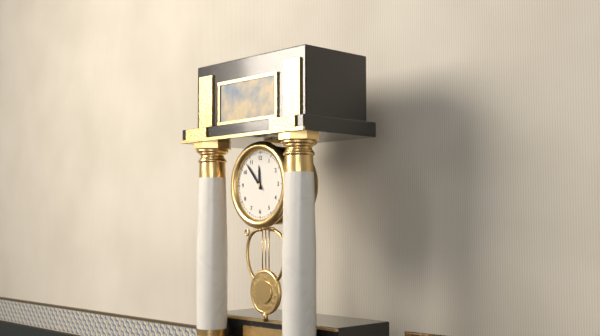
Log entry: 11:53
